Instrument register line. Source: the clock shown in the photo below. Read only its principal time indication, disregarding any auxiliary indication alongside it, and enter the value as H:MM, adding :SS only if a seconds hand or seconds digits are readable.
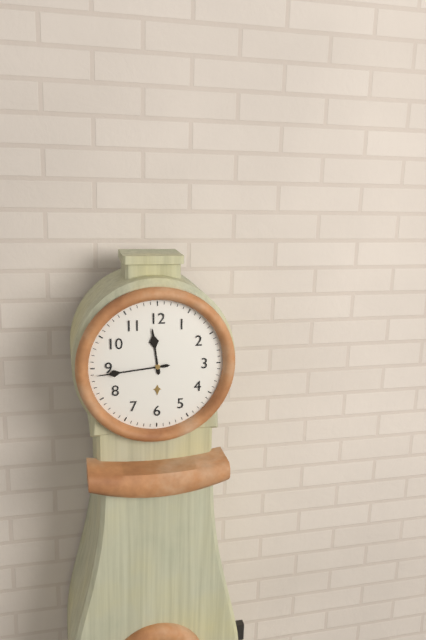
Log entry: 11:44
